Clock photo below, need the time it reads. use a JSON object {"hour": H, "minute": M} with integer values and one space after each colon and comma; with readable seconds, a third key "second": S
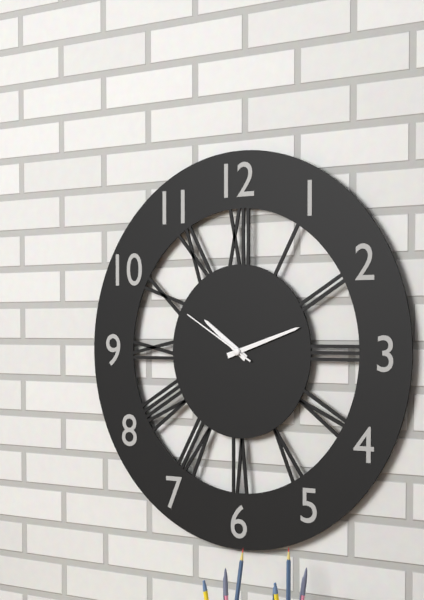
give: {"hour": 10, "minute": 12, "second": 50}
